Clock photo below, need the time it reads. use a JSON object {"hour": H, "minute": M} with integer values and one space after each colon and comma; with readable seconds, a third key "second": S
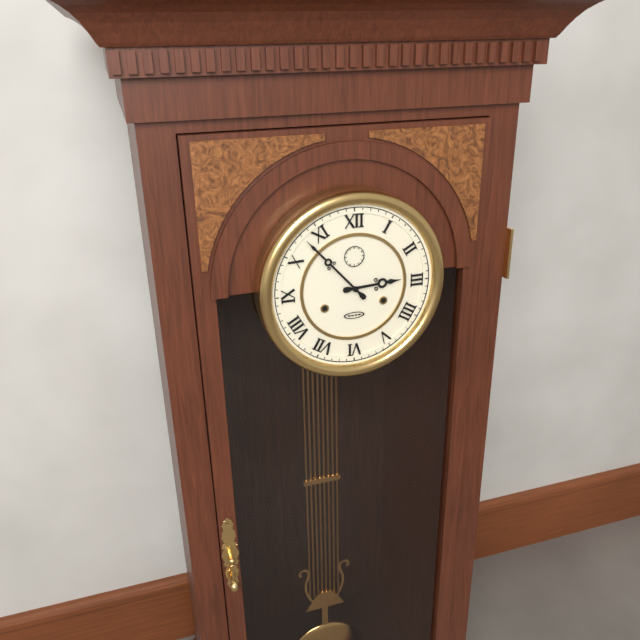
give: {"hour": 2, "minute": 53}
